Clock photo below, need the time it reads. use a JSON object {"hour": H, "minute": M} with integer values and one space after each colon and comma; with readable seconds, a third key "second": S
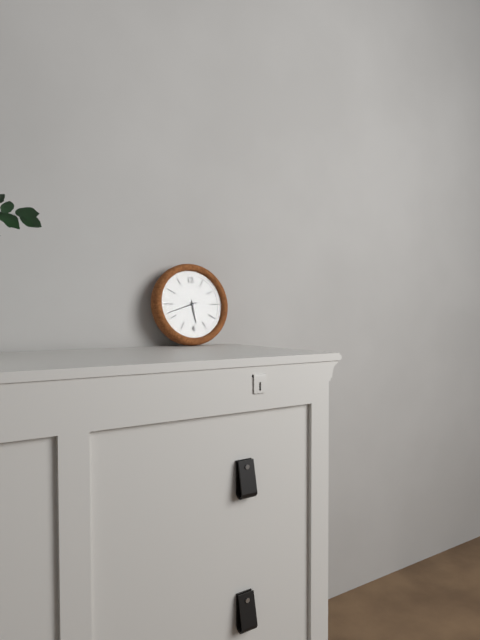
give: {"hour": 5, "minute": 42}
